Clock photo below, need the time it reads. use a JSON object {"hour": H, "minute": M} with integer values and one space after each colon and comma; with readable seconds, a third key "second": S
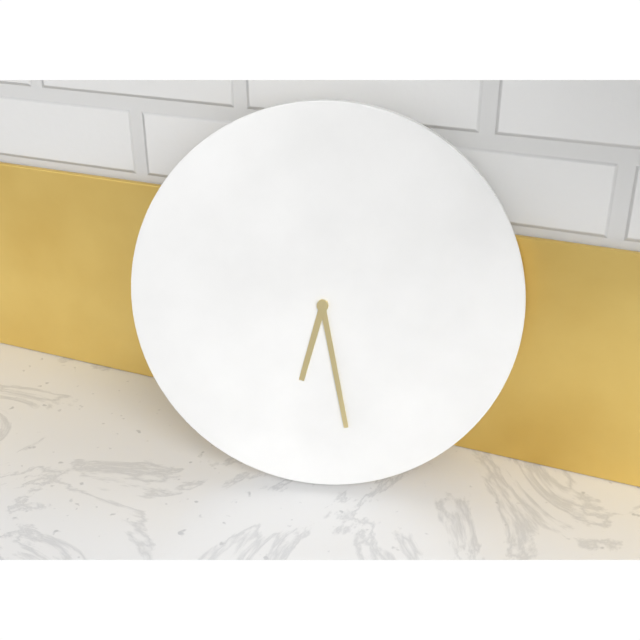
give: {"hour": 6, "minute": 28}
